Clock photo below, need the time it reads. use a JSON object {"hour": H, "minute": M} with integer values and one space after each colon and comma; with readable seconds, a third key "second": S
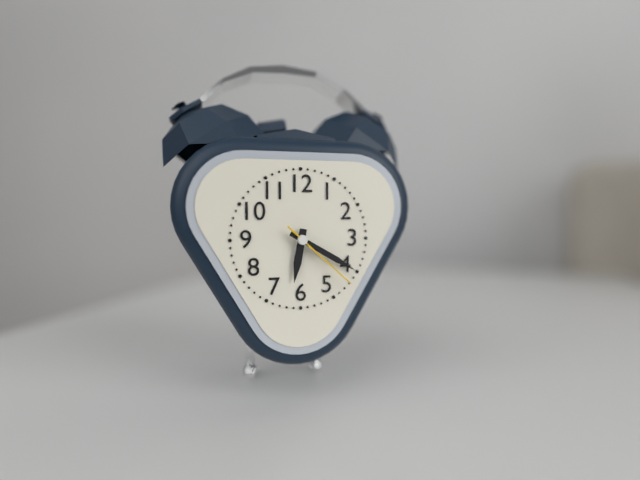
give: {"hour": 6, "minute": 20, "second": 22}
